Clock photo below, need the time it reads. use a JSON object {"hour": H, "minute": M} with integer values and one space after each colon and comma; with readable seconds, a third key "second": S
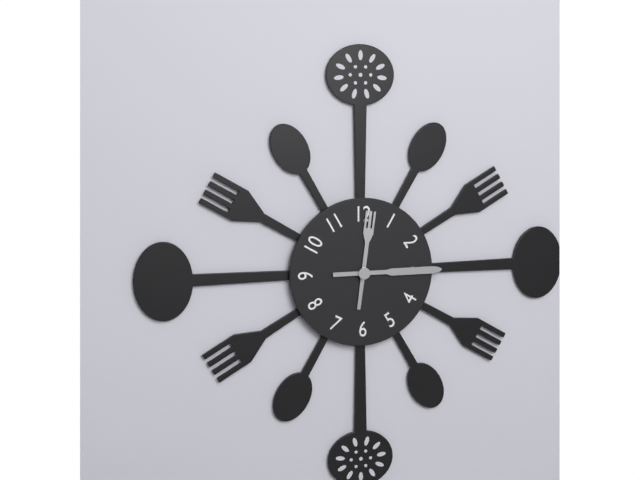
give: {"hour": 12, "minute": 15}
